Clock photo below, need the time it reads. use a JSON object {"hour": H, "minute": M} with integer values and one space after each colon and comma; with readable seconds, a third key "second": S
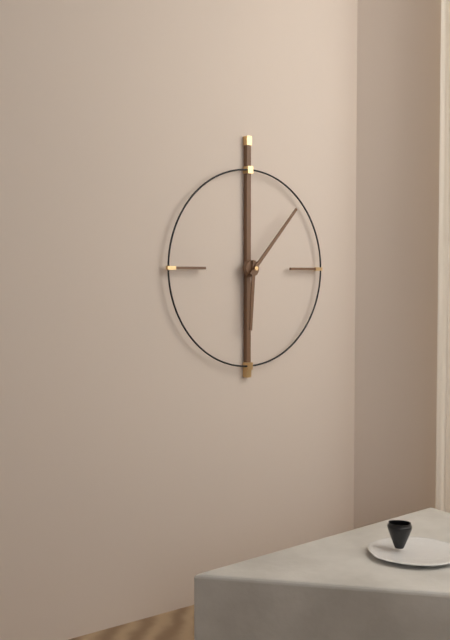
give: {"hour": 6, "minute": 7}
